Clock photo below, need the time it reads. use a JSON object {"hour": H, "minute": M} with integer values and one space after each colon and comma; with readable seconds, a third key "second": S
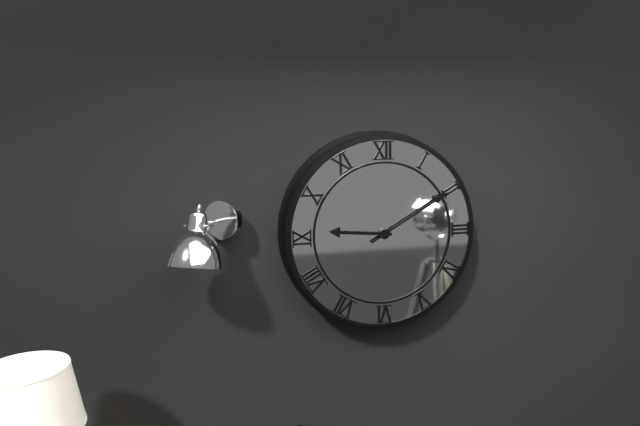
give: {"hour": 9, "minute": 10}
